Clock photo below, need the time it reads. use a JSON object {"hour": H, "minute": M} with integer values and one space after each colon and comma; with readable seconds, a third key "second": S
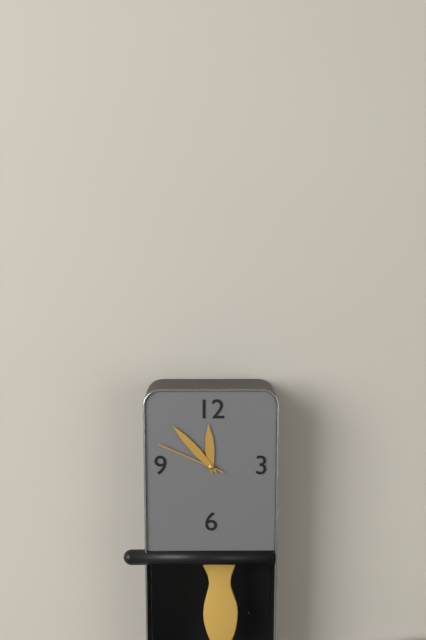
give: {"hour": 11, "minute": 53, "second": 49}
